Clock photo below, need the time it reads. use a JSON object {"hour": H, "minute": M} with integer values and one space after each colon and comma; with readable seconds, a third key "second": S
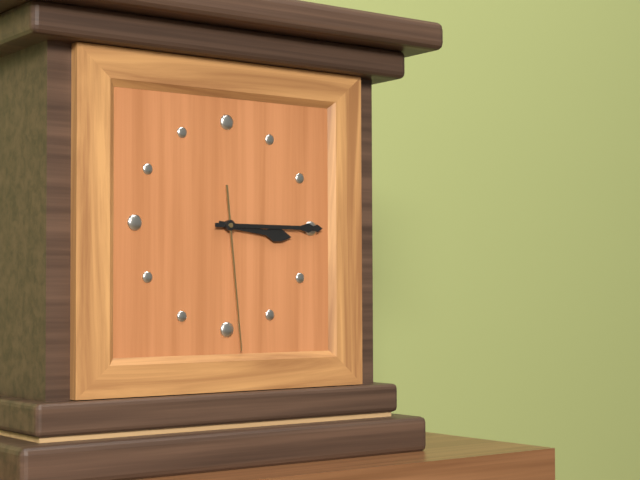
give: {"hour": 3, "minute": 15, "second": 29}
